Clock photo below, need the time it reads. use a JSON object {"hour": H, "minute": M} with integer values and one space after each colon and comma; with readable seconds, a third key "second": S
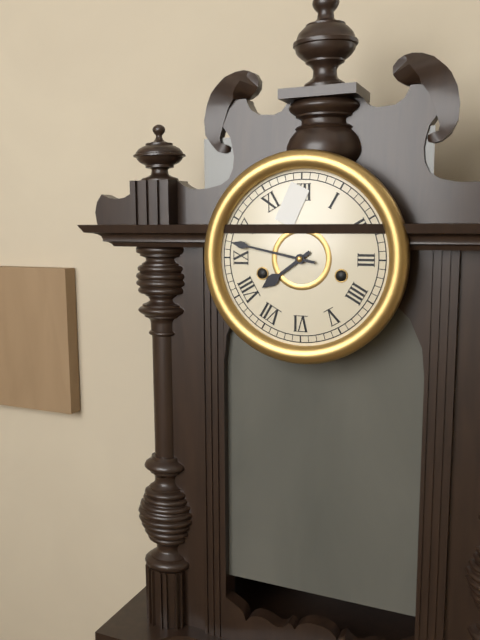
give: {"hour": 7, "minute": 47}
